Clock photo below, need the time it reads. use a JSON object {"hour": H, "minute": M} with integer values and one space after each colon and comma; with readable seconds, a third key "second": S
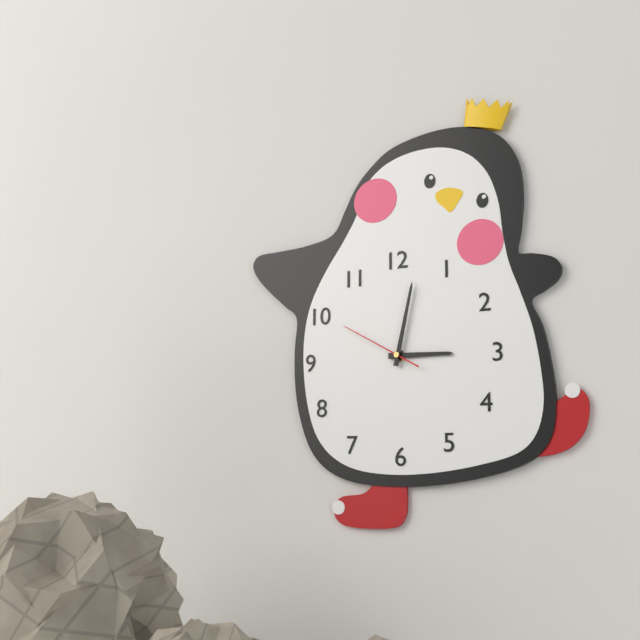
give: {"hour": 3, "minute": 2, "second": 50}
